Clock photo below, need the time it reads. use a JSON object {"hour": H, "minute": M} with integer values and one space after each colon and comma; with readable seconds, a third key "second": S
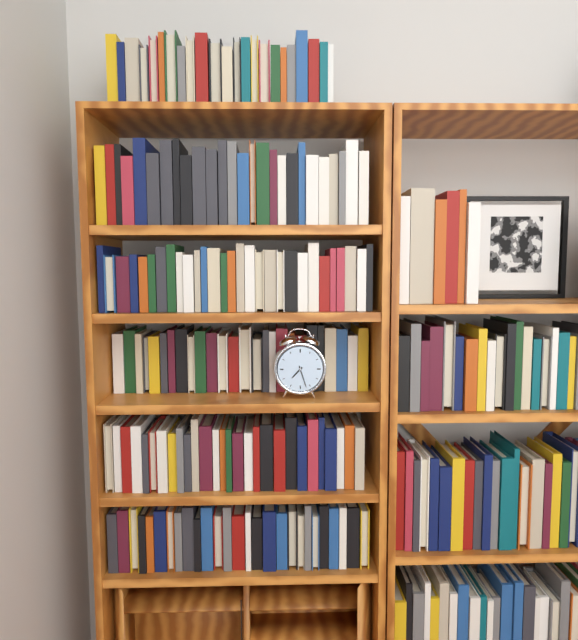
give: {"hour": 7, "minute": 27}
